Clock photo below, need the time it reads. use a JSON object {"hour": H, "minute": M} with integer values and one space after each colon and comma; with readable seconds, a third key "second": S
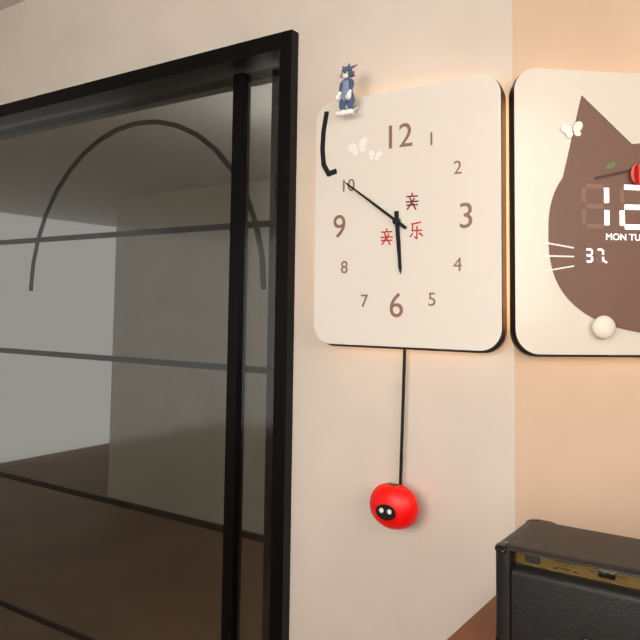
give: {"hour": 5, "minute": 51}
